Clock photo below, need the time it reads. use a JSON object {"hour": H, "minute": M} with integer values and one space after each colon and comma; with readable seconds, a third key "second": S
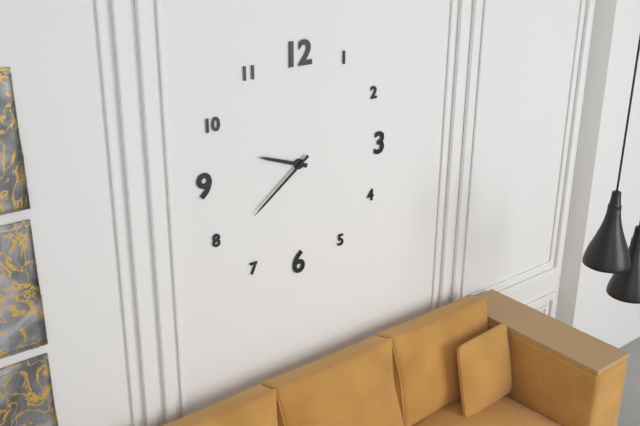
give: {"hour": 9, "minute": 39}
